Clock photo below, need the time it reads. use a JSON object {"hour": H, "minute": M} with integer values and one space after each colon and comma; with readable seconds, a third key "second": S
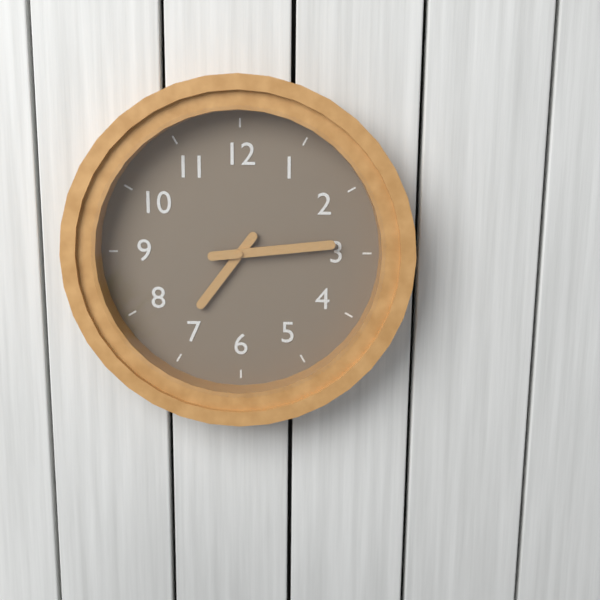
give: {"hour": 7, "minute": 14}
